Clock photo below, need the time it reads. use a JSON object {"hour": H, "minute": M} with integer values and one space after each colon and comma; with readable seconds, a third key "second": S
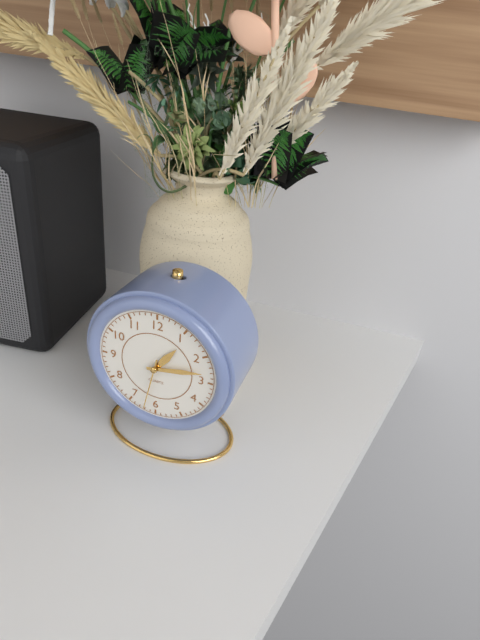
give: {"hour": 1, "minute": 13}
